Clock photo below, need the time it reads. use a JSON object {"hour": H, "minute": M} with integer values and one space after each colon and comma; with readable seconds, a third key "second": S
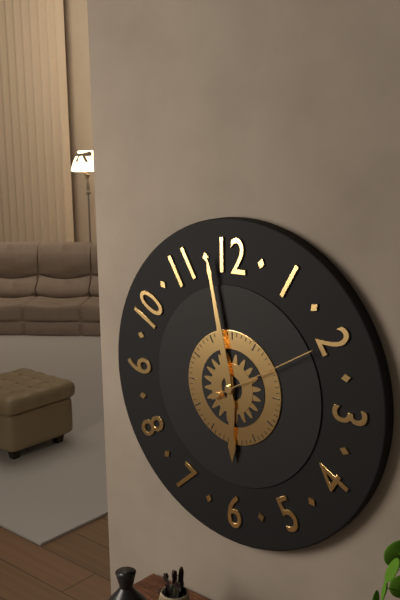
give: {"hour": 5, "minute": 58, "second": 10}
